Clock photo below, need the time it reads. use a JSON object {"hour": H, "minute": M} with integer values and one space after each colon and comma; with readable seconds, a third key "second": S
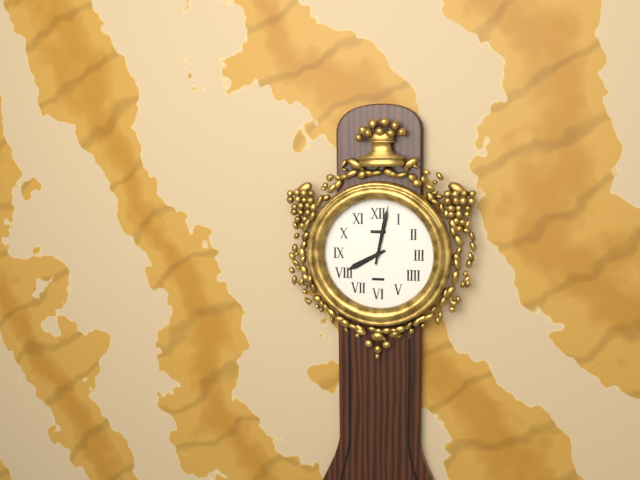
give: {"hour": 8, "minute": 2}
